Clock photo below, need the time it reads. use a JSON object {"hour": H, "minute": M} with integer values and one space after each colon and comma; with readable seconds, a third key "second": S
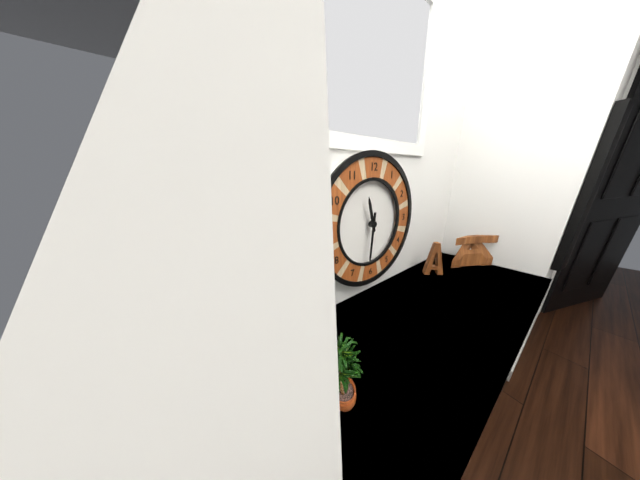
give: {"hour": 11, "minute": 31}
